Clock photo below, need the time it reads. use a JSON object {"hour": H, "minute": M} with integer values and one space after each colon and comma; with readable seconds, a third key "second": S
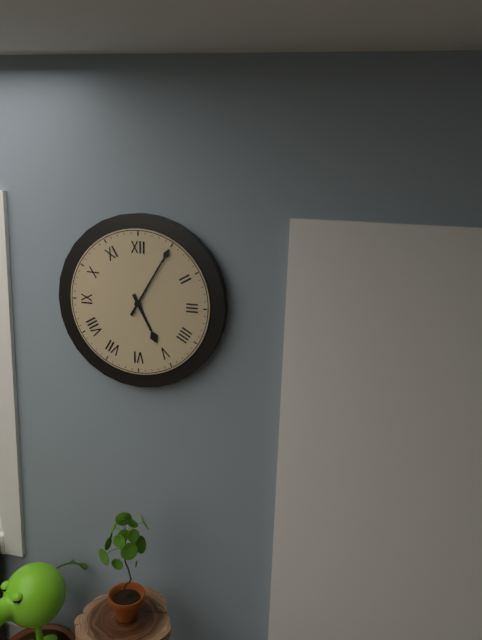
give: {"hour": 5, "minute": 5}
